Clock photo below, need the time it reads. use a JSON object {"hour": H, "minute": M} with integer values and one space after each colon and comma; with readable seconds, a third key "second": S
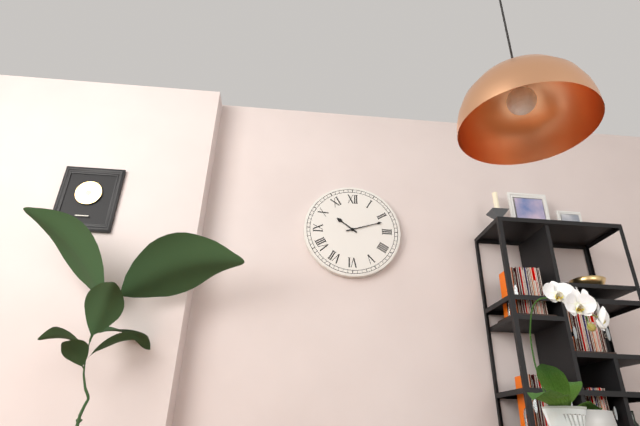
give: {"hour": 10, "minute": 12}
